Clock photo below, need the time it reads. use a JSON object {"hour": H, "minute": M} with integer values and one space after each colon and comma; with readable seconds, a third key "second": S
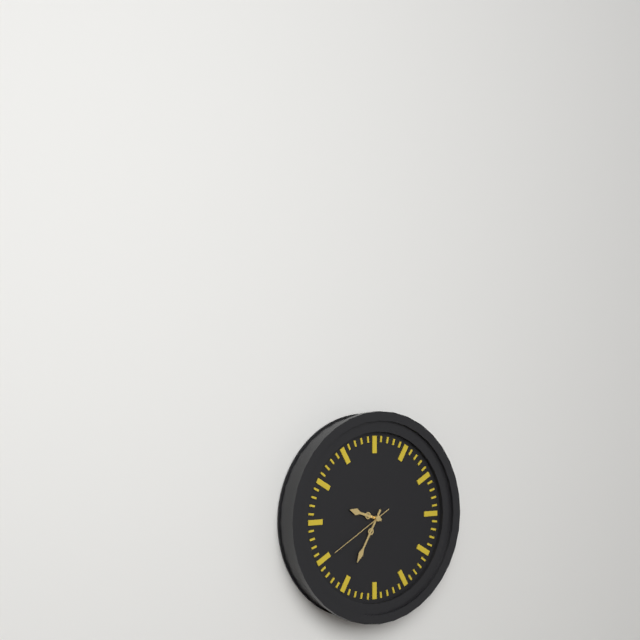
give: {"hour": 9, "minute": 35, "second": 40}
